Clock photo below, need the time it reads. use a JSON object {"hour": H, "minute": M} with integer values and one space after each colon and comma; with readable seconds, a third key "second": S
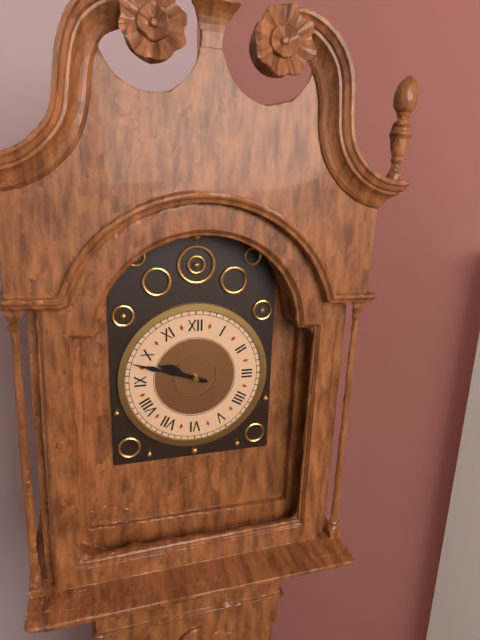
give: {"hour": 9, "minute": 48}
